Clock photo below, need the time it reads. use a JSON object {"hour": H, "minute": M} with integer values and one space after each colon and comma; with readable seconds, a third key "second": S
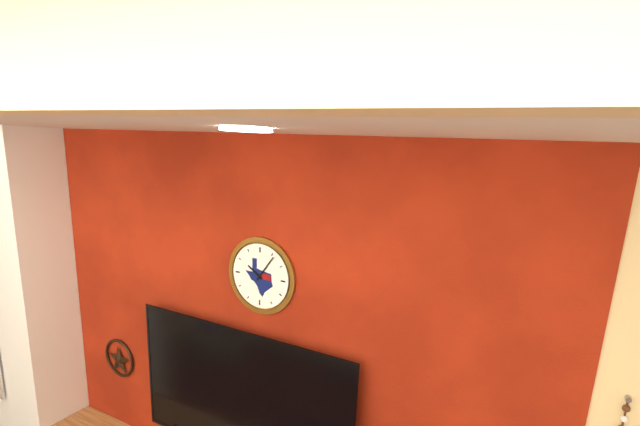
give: {"hour": 10, "minute": 6}
